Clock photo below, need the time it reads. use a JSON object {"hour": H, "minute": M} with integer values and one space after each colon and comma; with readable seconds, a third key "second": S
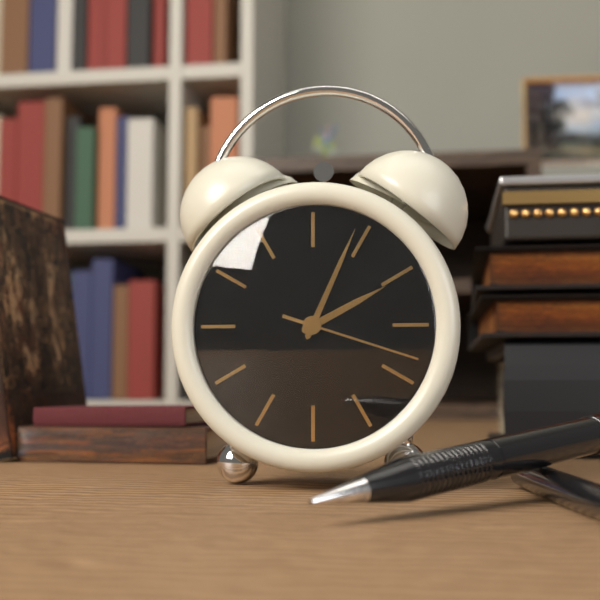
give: {"hour": 2, "minute": 4, "second": 18}
